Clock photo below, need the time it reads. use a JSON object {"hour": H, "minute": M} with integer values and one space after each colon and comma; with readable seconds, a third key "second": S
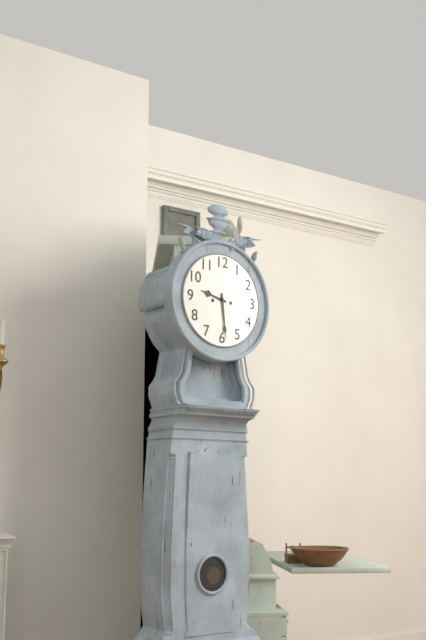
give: {"hour": 9, "minute": 29}
